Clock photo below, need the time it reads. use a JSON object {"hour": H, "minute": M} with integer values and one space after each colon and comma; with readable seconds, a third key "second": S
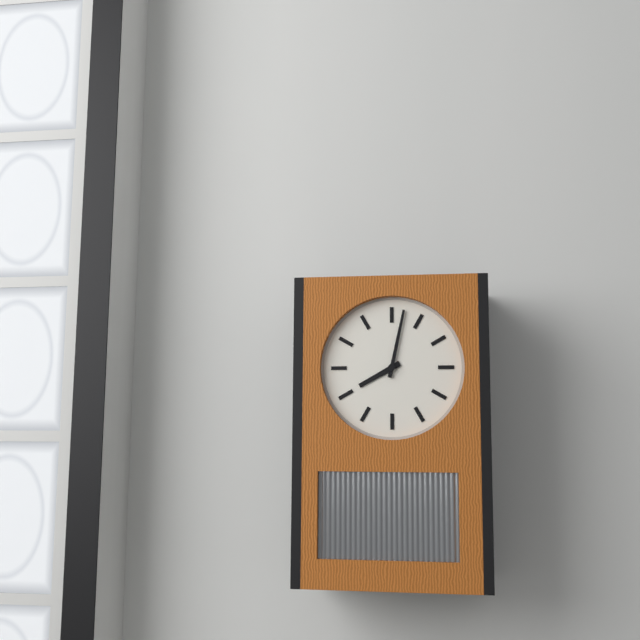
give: {"hour": 8, "minute": 2}
